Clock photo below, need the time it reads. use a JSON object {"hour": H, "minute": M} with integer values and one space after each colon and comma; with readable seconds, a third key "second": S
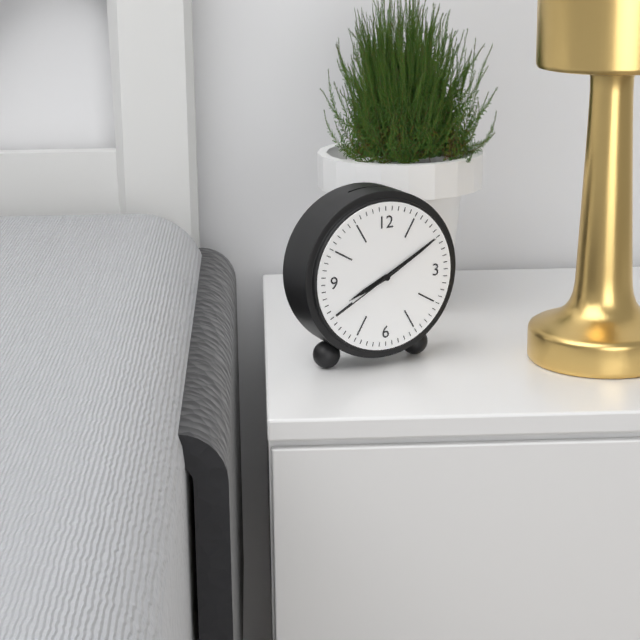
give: {"hour": 8, "minute": 10, "second": 40}
